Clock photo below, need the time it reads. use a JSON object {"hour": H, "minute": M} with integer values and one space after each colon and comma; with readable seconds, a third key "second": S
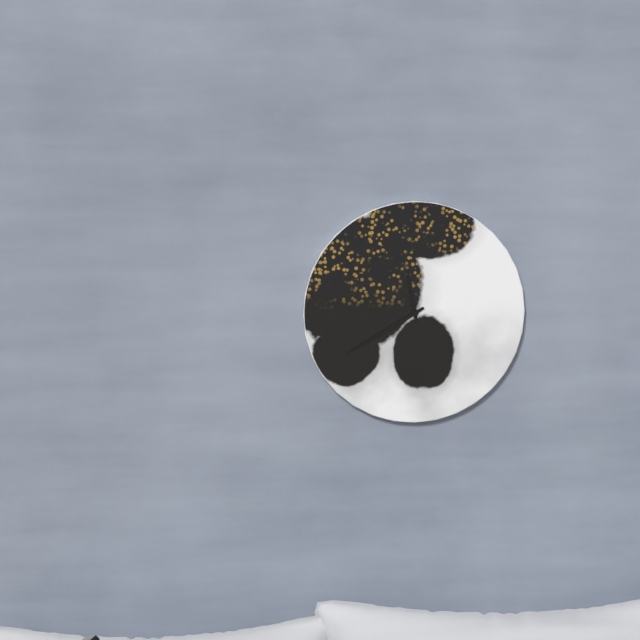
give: {"hour": 11, "minute": 40}
